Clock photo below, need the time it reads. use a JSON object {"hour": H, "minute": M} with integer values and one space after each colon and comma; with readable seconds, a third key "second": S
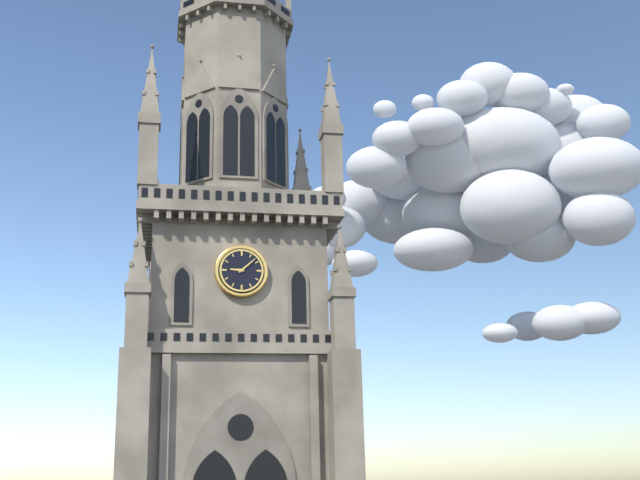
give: {"hour": 9, "minute": 8}
